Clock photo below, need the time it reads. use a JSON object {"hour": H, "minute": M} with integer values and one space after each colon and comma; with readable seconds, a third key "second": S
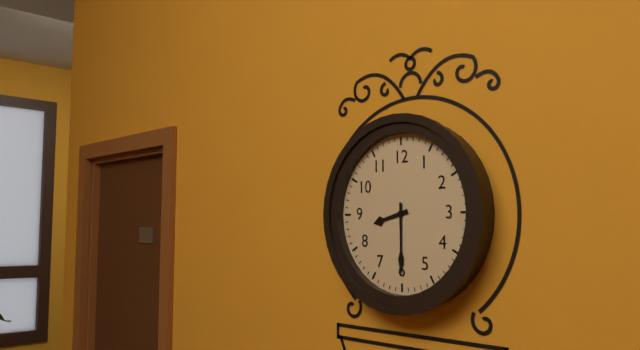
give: {"hour": 8, "minute": 30}
